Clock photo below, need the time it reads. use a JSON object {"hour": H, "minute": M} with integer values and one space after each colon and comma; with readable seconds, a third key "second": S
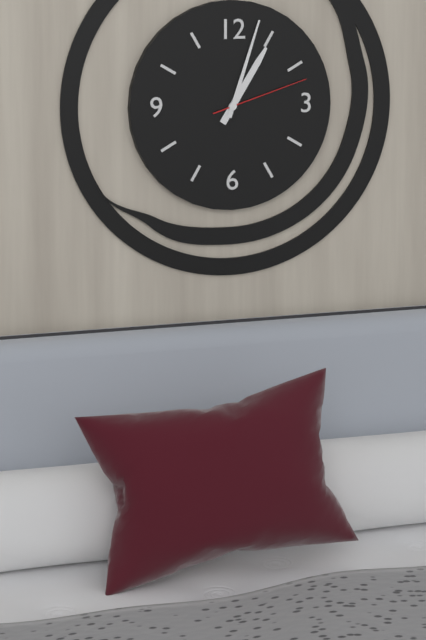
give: {"hour": 1, "minute": 3, "second": 12}
